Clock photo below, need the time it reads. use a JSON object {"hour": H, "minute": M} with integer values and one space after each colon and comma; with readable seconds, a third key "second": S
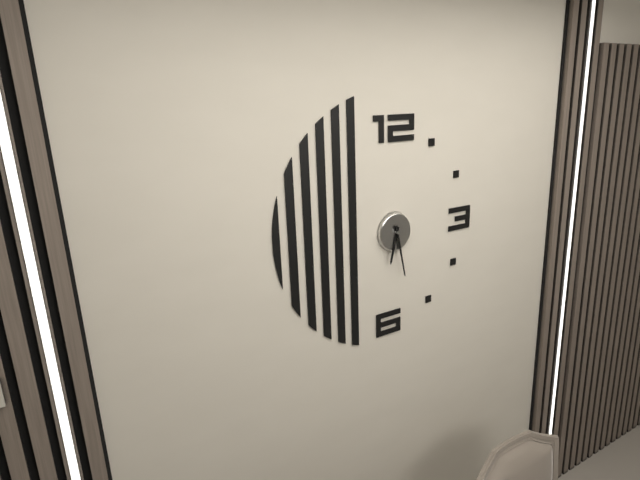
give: {"hour": 6, "minute": 28}
